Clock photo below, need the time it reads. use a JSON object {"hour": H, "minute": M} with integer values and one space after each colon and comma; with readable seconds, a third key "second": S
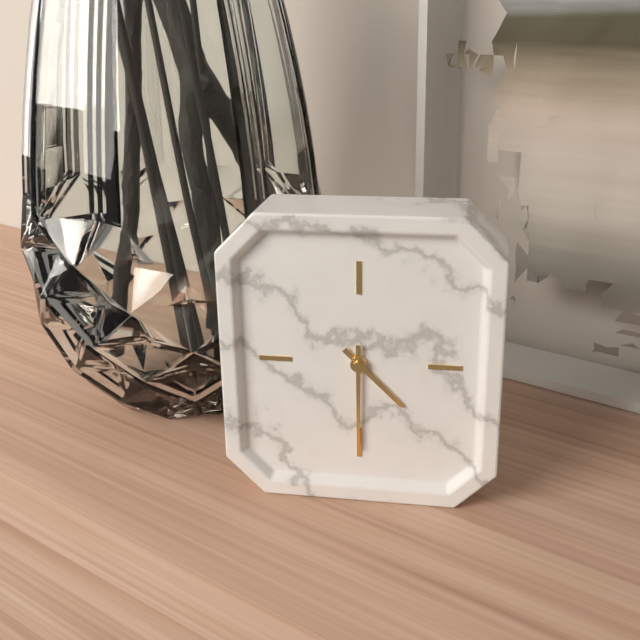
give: {"hour": 4, "minute": 30}
